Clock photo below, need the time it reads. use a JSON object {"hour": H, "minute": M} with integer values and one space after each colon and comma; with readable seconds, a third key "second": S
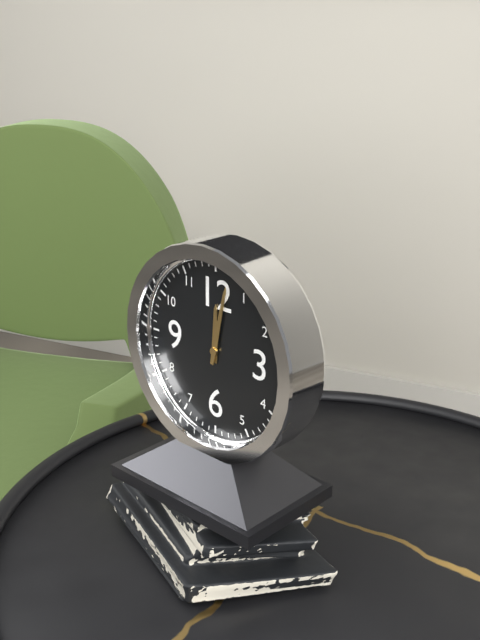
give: {"hour": 12, "minute": 2}
